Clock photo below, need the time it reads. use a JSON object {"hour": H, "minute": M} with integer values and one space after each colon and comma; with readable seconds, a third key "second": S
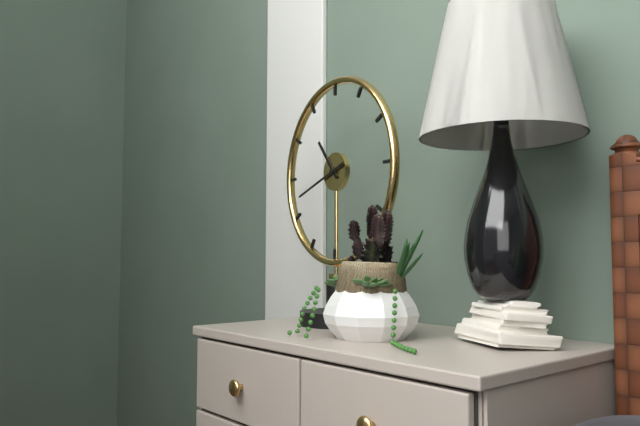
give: {"hour": 10, "minute": 42}
